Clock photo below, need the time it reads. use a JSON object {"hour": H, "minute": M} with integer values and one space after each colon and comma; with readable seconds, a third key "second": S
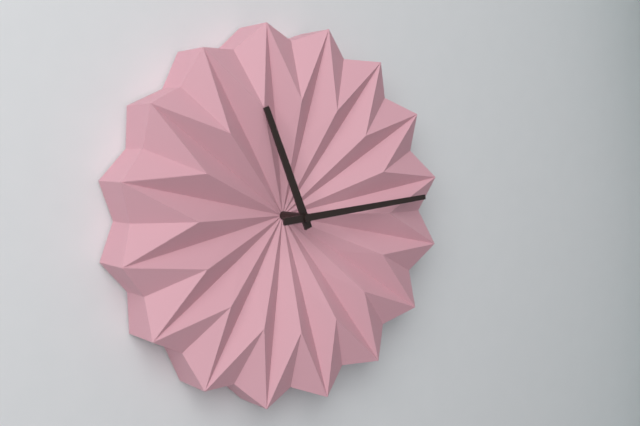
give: {"hour": 11, "minute": 14}
